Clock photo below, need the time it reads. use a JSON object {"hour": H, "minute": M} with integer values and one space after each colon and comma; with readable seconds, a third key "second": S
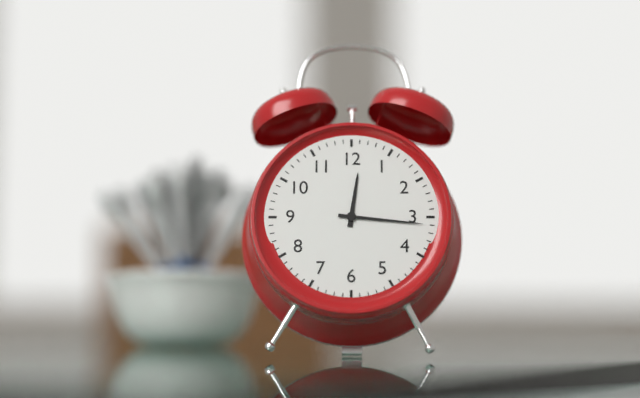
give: {"hour": 12, "minute": 16}
